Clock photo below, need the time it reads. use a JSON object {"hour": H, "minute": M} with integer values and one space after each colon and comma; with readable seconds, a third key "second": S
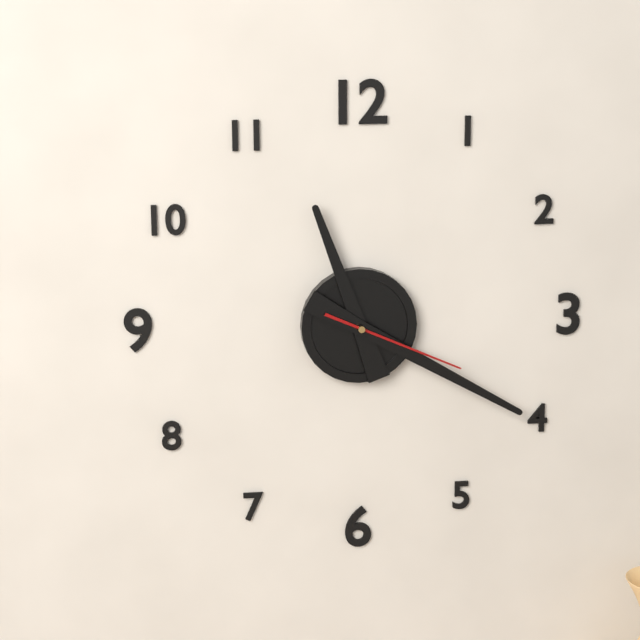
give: {"hour": 11, "minute": 20, "second": 19}
